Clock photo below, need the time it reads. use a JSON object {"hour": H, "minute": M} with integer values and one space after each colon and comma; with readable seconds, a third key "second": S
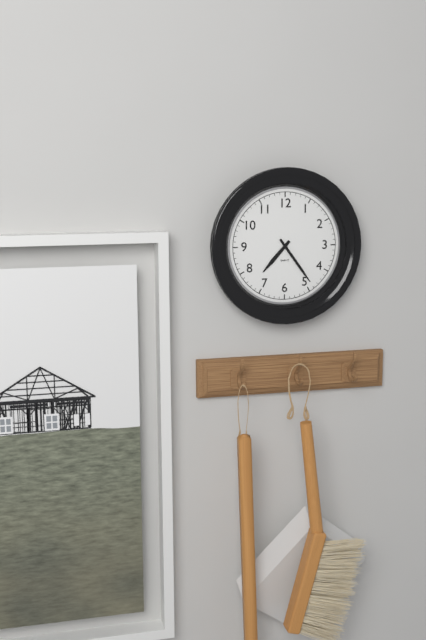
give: {"hour": 7, "minute": 24}
